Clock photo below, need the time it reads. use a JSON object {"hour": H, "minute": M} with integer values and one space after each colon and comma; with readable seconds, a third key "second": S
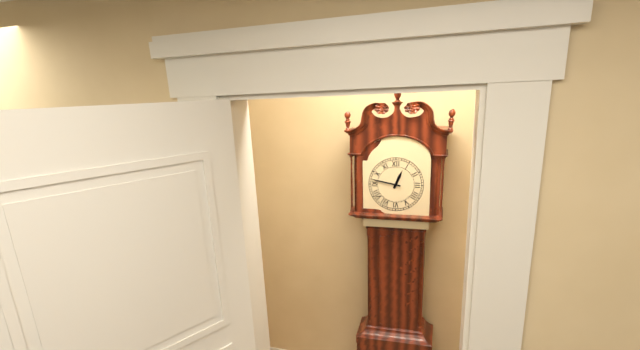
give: {"hour": 12, "minute": 47}
